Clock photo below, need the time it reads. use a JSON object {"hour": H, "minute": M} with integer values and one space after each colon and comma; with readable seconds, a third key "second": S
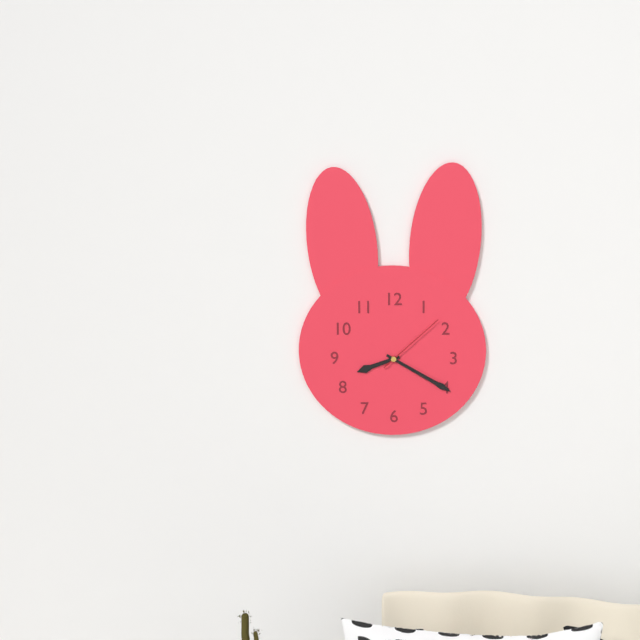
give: {"hour": 8, "minute": 20, "second": 8}
